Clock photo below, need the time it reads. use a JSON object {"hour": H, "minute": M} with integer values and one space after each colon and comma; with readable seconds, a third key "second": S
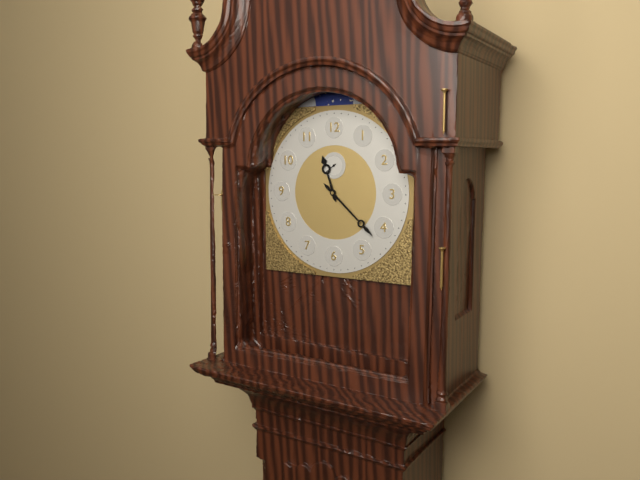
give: {"hour": 11, "minute": 22}
